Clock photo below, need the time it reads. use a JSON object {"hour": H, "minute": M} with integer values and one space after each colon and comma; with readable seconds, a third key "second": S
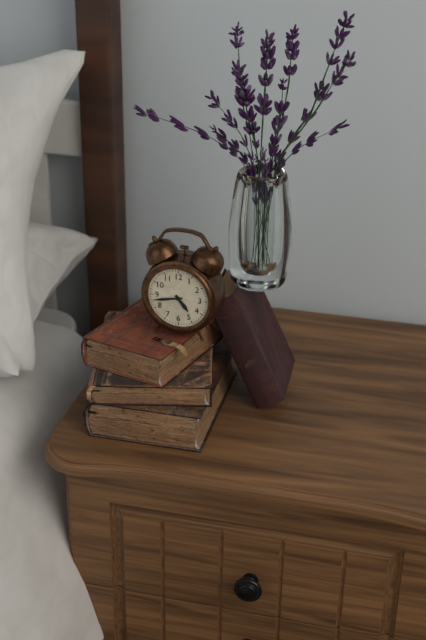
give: {"hour": 4, "minute": 43}
